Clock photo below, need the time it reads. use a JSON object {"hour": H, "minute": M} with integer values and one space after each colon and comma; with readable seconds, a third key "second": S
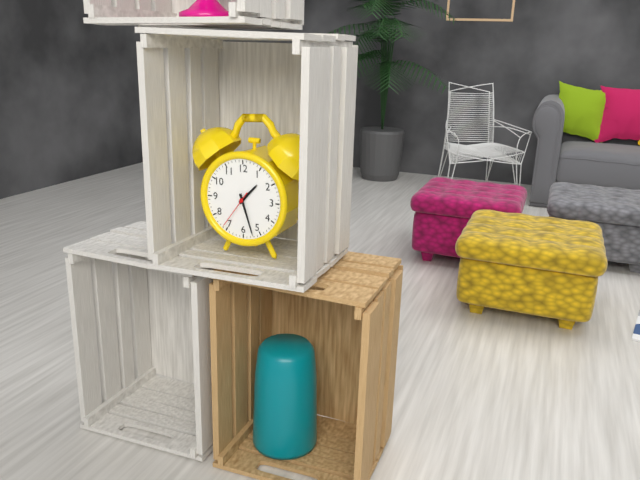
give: {"hour": 1, "minute": 27}
